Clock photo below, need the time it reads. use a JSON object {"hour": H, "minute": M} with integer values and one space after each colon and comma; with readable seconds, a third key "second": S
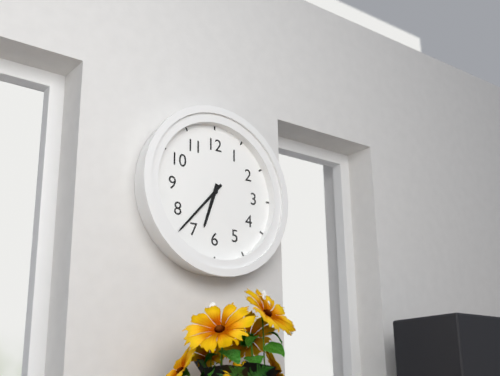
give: {"hour": 6, "minute": 37}
